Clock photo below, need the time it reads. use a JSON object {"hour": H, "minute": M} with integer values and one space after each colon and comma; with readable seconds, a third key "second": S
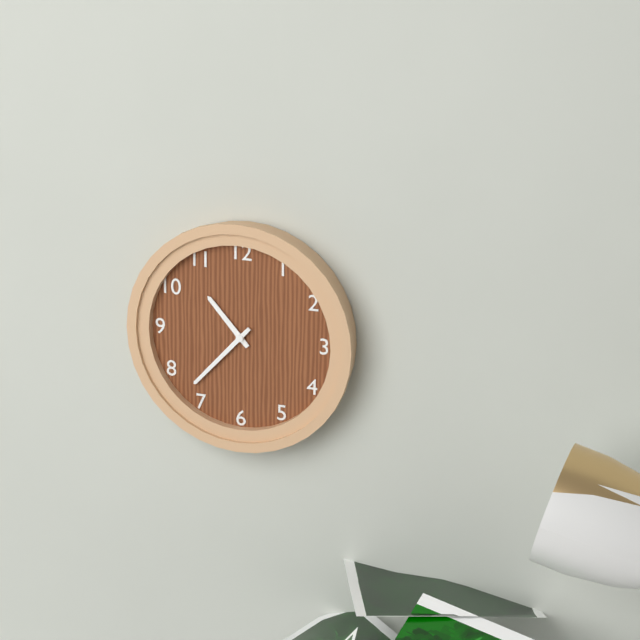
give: {"hour": 10, "minute": 37}
